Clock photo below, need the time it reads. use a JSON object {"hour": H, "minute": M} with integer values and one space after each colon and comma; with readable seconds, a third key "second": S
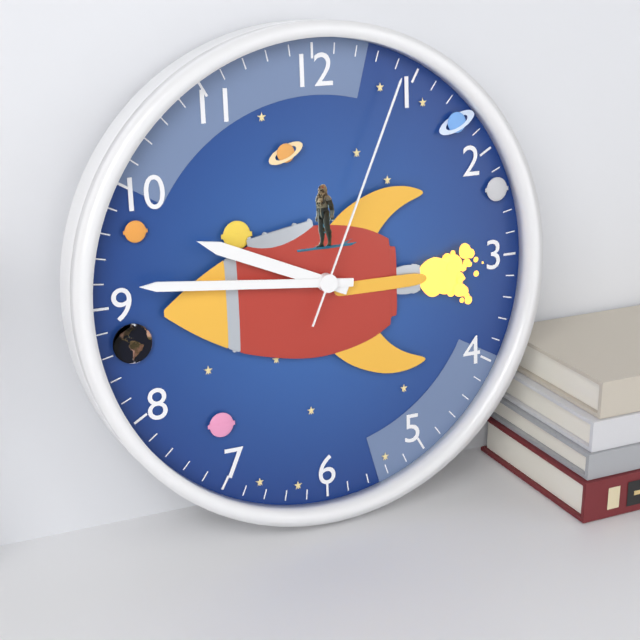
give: {"hour": 9, "minute": 46, "second": 4}
